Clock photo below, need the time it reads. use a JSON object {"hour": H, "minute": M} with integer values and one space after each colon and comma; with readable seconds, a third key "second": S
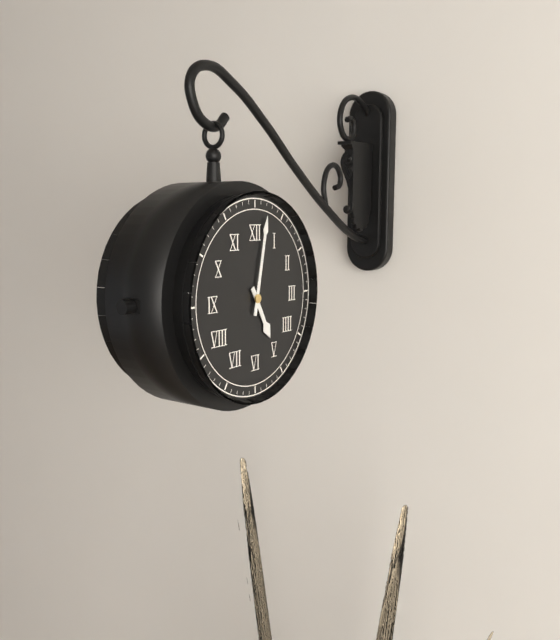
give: {"hour": 5, "minute": 2}
